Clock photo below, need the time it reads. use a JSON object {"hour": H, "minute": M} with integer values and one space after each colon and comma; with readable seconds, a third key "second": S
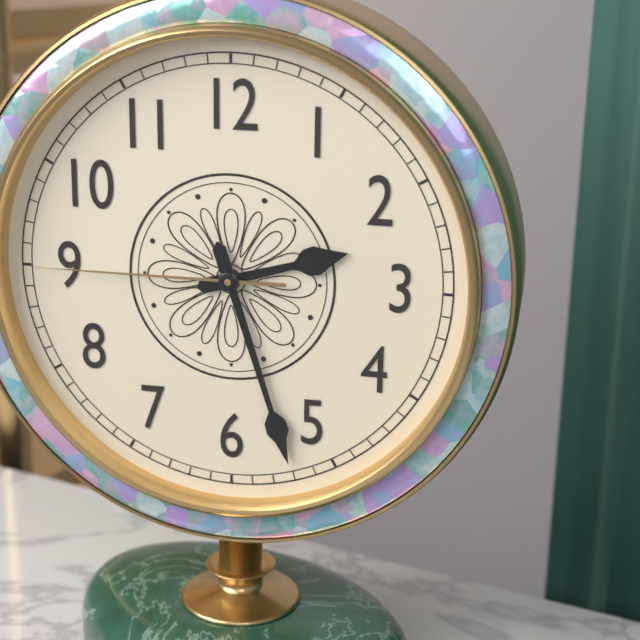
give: {"hour": 2, "minute": 27, "second": 45}
